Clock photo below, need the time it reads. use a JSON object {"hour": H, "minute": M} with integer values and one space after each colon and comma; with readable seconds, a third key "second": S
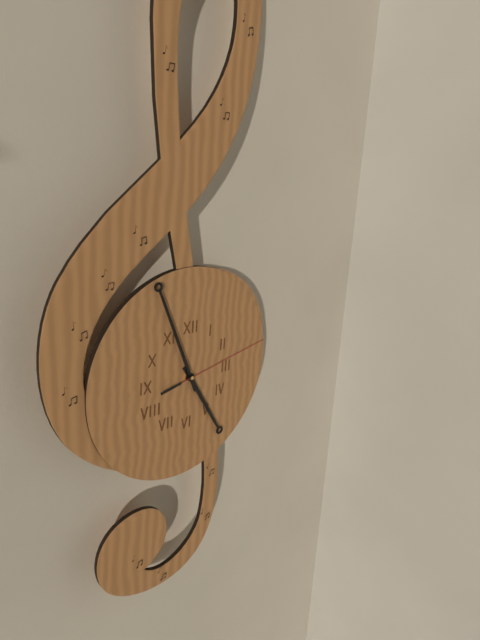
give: {"hour": 4, "minute": 56, "second": 13}
